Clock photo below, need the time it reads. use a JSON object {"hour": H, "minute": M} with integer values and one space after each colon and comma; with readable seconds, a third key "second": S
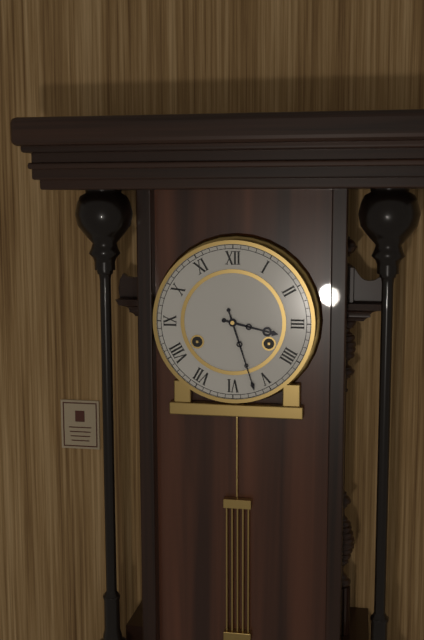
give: {"hour": 3, "minute": 27}
